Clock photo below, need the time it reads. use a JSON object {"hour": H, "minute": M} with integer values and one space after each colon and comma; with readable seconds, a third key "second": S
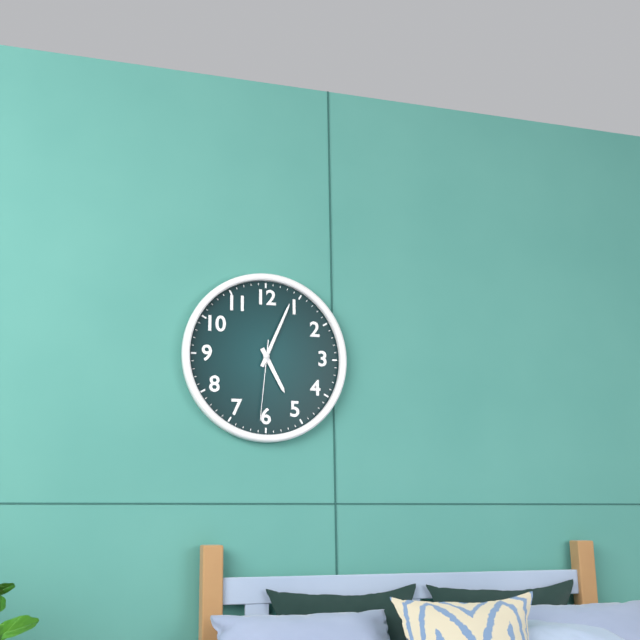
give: {"hour": 5, "minute": 4, "second": 31}
